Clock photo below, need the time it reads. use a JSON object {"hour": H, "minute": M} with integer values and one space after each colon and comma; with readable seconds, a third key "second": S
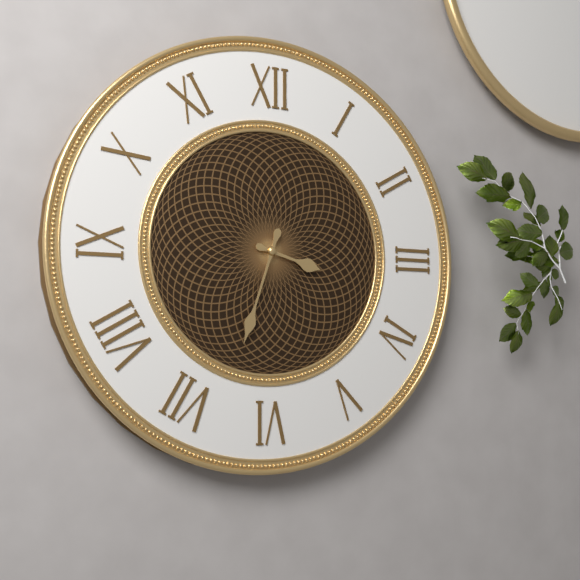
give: {"hour": 3, "minute": 33}
